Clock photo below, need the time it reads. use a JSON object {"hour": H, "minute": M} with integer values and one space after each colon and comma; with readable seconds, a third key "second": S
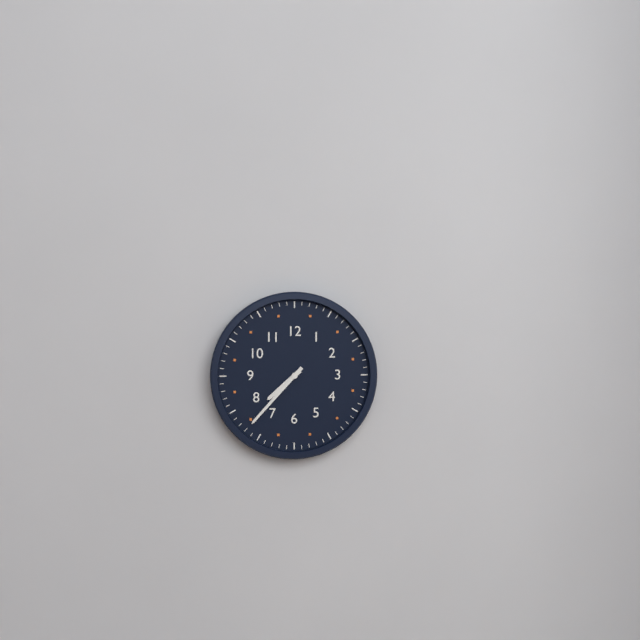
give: {"hour": 7, "minute": 37}
